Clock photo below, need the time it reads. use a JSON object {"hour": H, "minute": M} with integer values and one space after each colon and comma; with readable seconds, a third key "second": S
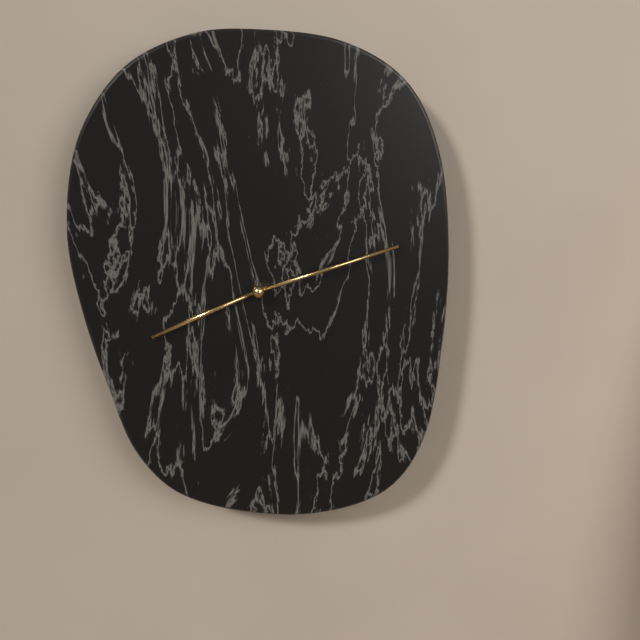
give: {"hour": 8, "minute": 12}
